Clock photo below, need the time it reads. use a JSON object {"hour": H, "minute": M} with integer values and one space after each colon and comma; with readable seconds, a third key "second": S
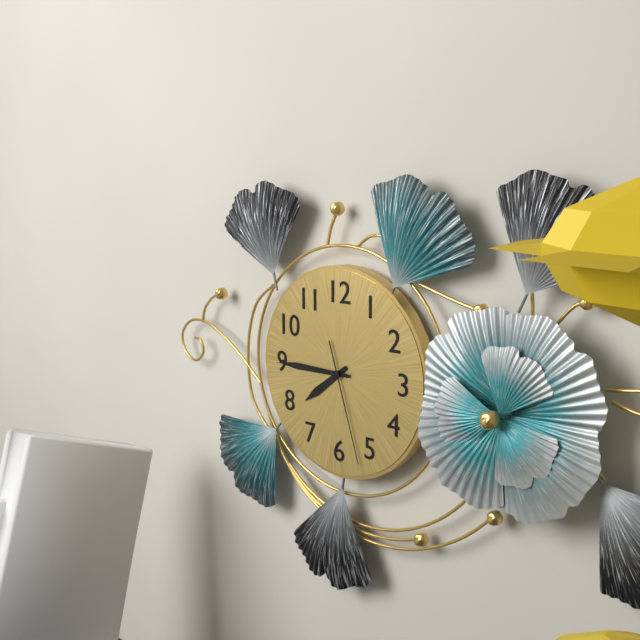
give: {"hour": 7, "minute": 45, "second": 27}
